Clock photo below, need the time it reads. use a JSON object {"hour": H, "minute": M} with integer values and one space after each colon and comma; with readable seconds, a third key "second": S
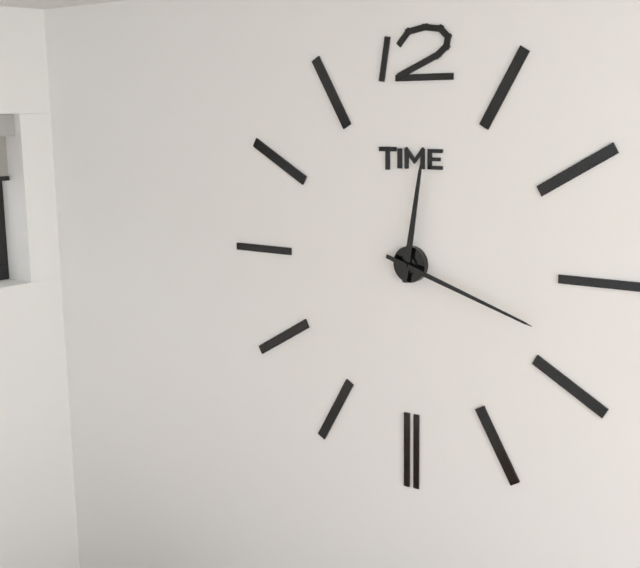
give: {"hour": 12, "minute": 18}
